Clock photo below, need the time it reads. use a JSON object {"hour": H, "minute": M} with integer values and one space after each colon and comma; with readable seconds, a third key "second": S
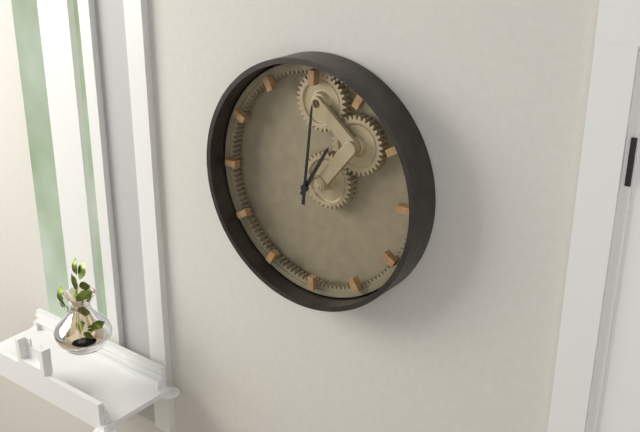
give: {"hour": 1, "minute": 1}
